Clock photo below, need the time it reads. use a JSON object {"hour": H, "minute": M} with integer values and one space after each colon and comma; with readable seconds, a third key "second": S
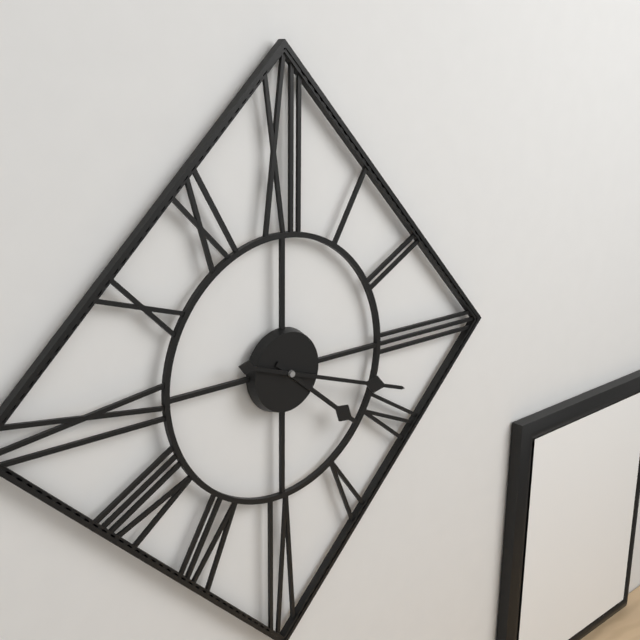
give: {"hour": 4, "minute": 18}
